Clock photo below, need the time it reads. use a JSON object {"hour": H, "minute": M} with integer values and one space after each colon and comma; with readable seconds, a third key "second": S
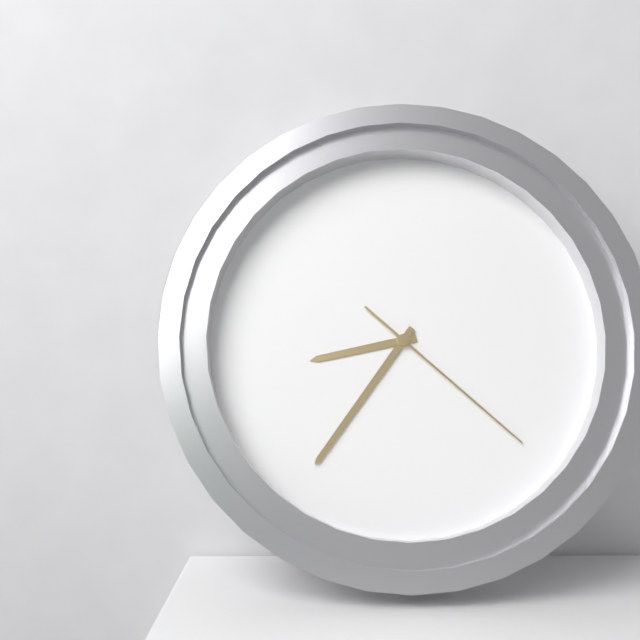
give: {"hour": 8, "minute": 36, "second": 22}
